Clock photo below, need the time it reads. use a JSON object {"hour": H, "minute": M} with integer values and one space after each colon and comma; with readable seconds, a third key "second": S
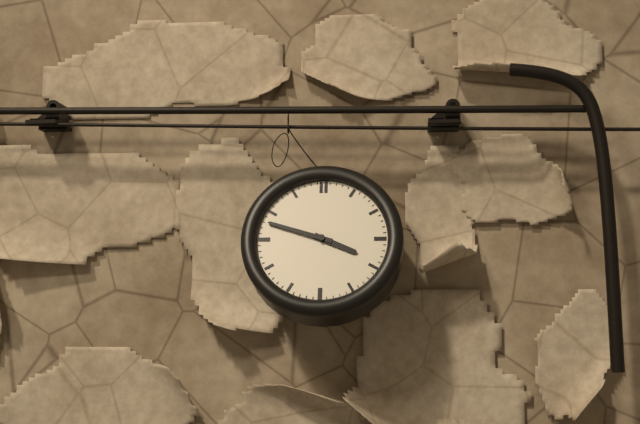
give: {"hour": 3, "minute": 48}
